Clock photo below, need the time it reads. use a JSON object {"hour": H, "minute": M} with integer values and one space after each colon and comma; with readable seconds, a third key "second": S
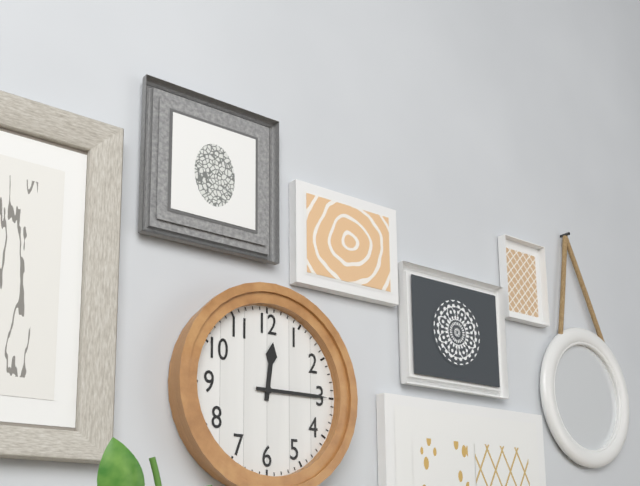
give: {"hour": 12, "minute": 15}
